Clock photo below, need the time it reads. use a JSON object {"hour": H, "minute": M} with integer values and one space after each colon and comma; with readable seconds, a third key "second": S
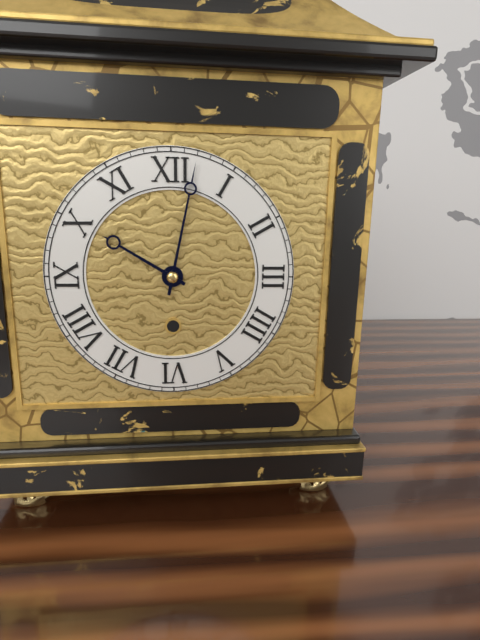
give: {"hour": 10, "minute": 2}
